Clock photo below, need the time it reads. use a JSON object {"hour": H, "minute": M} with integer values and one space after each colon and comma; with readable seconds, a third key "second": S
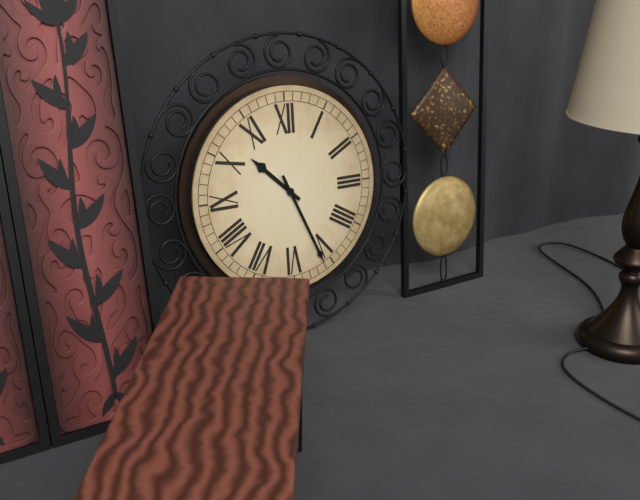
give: {"hour": 10, "minute": 26}
